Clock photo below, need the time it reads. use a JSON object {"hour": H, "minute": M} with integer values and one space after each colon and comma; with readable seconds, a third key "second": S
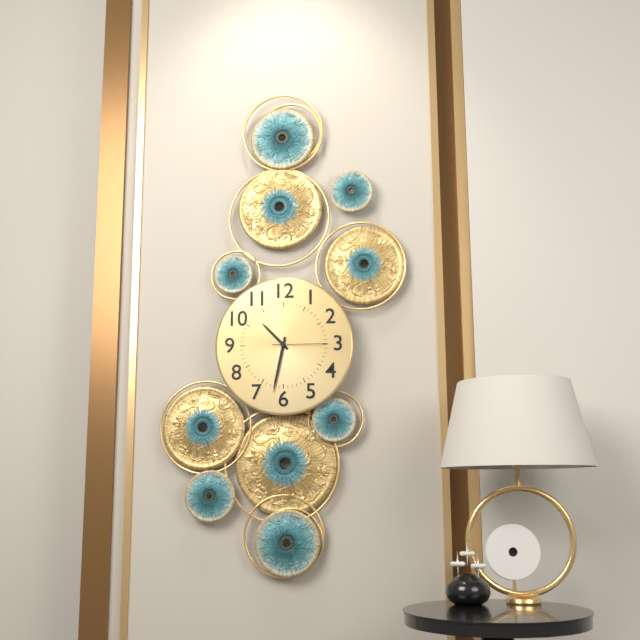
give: {"hour": 10, "minute": 32, "second": 15}
